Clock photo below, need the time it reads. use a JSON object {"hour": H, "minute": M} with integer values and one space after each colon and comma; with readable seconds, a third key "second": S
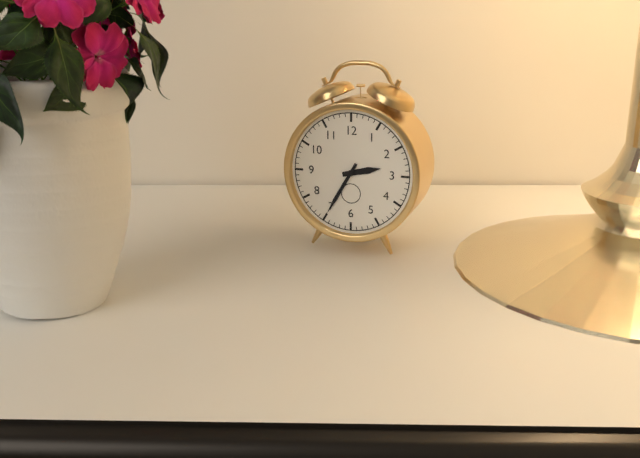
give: {"hour": 2, "minute": 35}
